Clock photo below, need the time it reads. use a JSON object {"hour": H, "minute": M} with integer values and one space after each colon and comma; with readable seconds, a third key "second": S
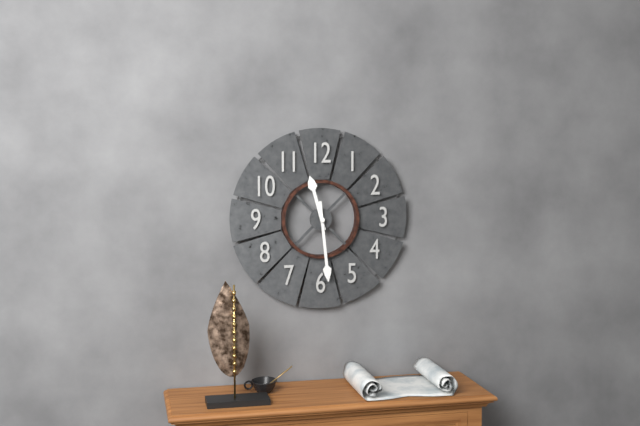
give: {"hour": 11, "minute": 29}
